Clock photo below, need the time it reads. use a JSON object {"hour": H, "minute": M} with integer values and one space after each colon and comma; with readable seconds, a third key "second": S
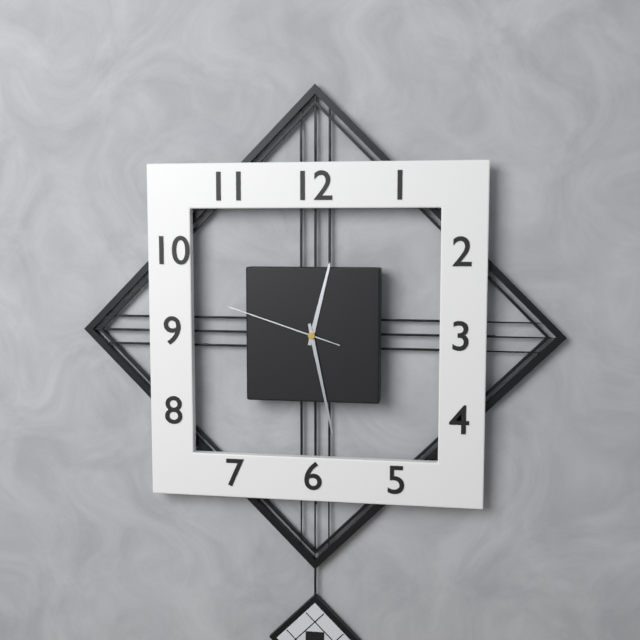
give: {"hour": 12, "minute": 28, "second": 48}
